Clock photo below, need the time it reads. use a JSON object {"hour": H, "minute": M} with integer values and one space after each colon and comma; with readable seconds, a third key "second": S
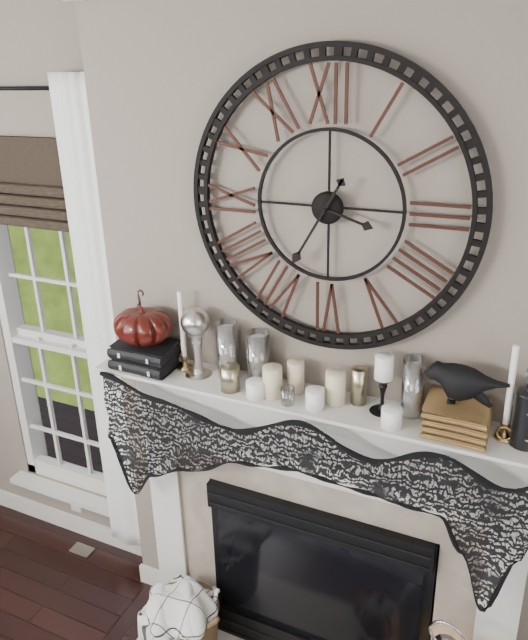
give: {"hour": 3, "minute": 35}
